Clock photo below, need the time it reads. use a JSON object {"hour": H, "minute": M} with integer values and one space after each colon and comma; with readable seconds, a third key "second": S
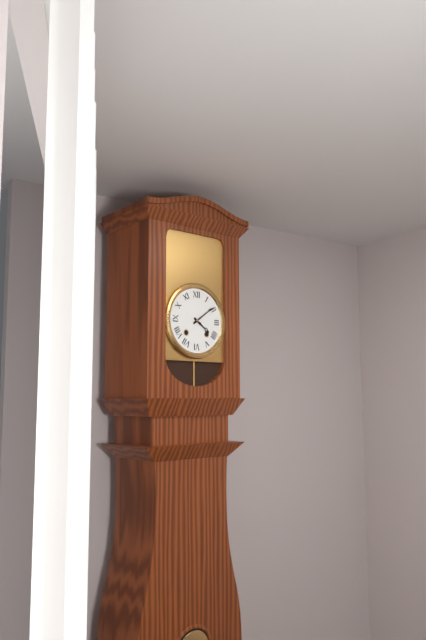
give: {"hour": 4, "minute": 9}
